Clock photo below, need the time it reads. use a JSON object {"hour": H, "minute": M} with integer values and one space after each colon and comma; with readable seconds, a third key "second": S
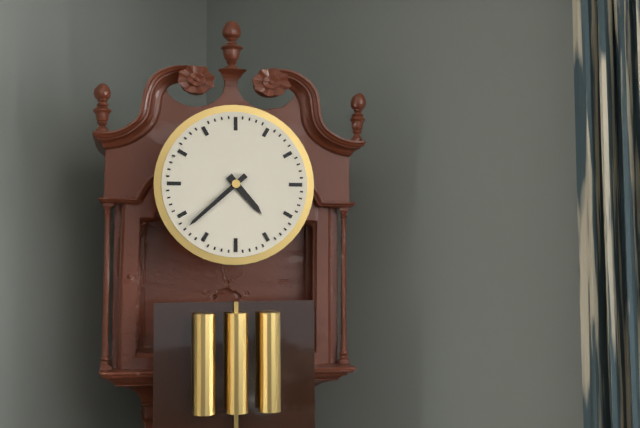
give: {"hour": 4, "minute": 38}
